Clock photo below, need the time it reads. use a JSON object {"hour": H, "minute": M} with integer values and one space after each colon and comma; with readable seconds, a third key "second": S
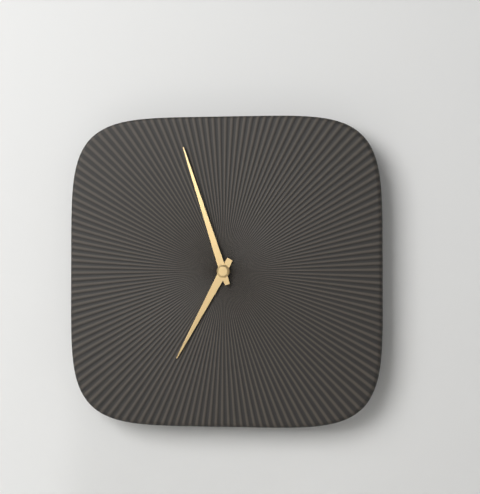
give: {"hour": 6, "minute": 57}
